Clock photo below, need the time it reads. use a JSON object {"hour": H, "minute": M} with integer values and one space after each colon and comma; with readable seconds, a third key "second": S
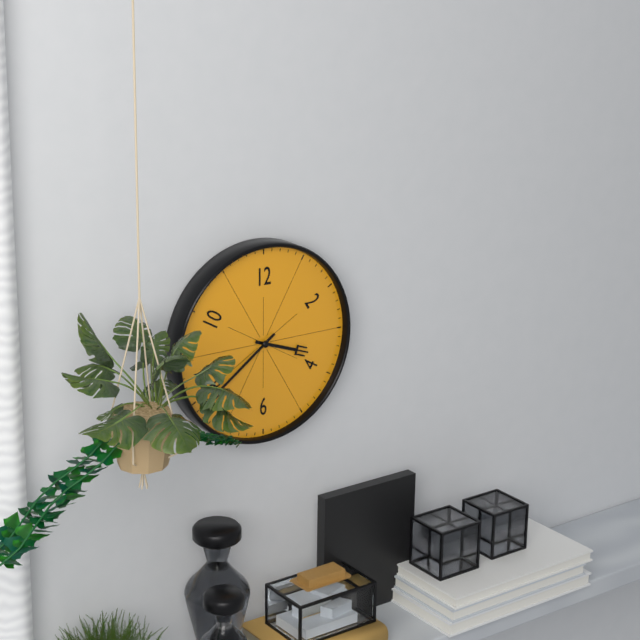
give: {"hour": 3, "minute": 39}
